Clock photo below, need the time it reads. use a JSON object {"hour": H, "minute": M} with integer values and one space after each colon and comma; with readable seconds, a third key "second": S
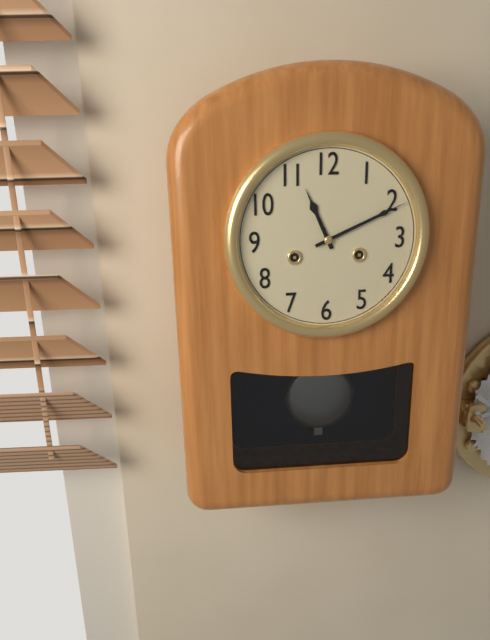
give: {"hour": 11, "minute": 11}
